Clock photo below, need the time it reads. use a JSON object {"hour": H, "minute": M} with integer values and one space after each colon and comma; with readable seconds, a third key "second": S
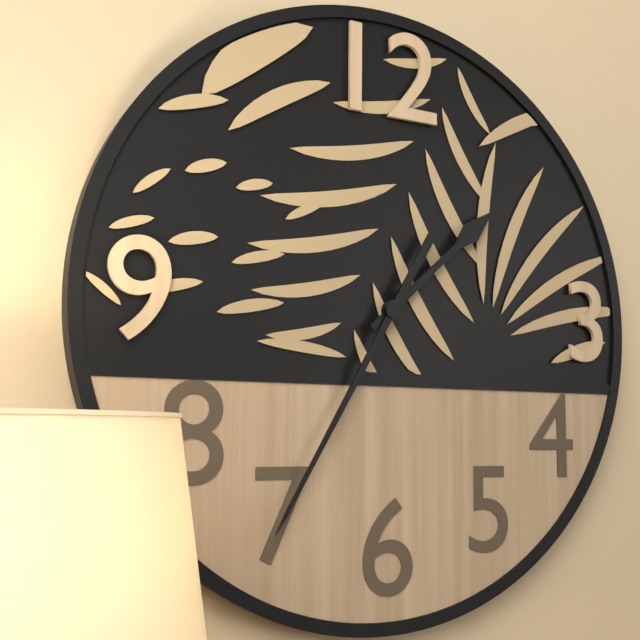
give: {"hour": 1, "minute": 35}
